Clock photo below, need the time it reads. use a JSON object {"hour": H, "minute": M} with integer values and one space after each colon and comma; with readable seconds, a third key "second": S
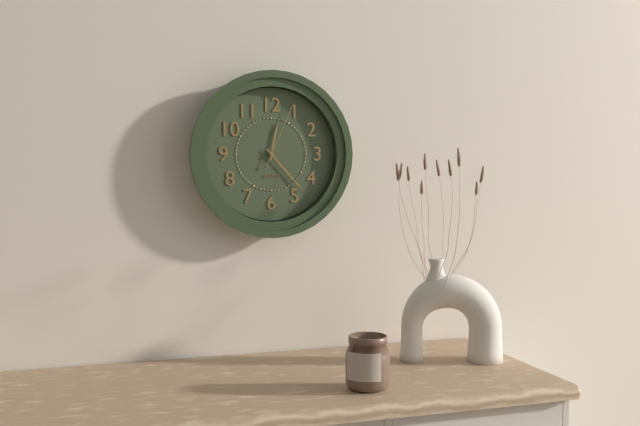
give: {"hour": 12, "minute": 23, "second": 4}
